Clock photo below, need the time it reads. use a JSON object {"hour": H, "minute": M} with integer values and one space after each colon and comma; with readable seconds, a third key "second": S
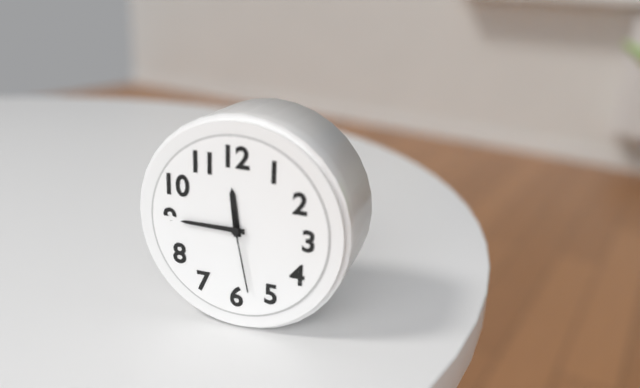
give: {"hour": 11, "minute": 45, "second": 28}
